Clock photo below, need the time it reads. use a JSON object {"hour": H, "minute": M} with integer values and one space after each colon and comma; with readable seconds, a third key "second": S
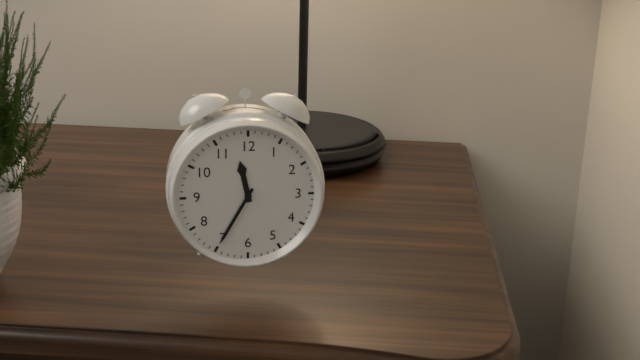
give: {"hour": 11, "minute": 35}
